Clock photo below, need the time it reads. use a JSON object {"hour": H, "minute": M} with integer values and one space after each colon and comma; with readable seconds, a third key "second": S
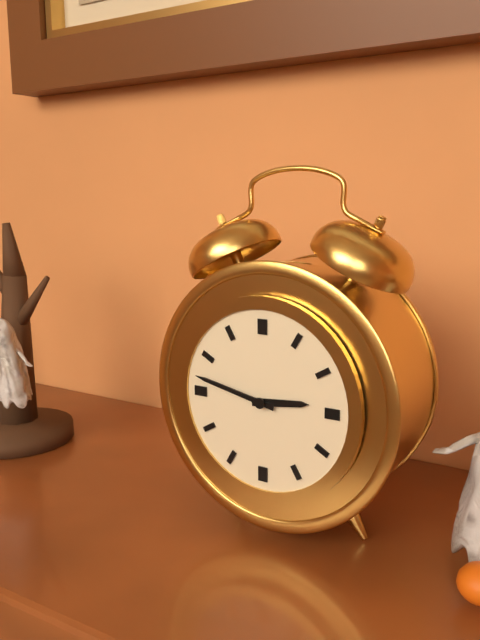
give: {"hour": 2, "minute": 47}
